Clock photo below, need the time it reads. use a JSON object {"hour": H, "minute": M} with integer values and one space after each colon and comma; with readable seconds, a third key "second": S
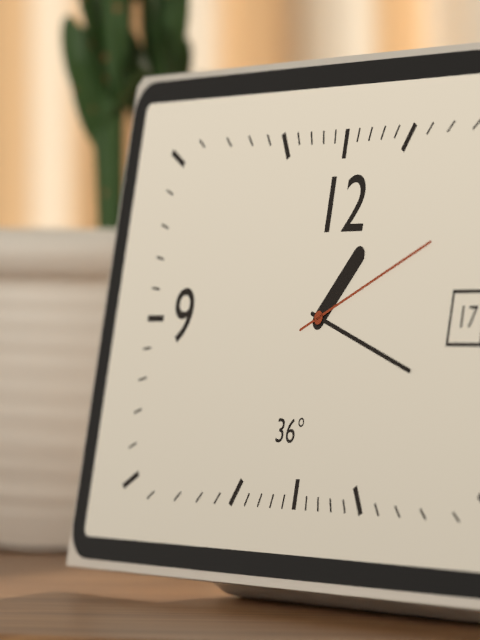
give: {"hour": 1, "minute": 18, "second": 11}
